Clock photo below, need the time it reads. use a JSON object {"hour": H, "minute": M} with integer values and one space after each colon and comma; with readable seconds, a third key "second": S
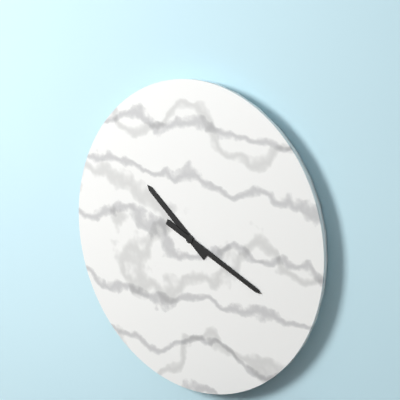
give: {"hour": 10, "minute": 19}
